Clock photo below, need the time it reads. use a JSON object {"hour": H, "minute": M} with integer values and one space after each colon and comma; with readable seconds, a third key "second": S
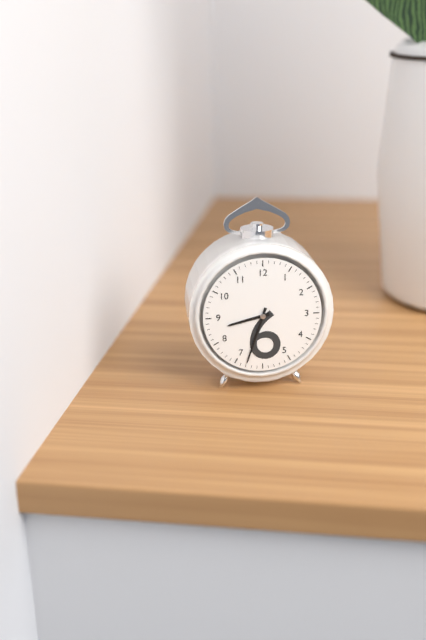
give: {"hour": 8, "minute": 33}
